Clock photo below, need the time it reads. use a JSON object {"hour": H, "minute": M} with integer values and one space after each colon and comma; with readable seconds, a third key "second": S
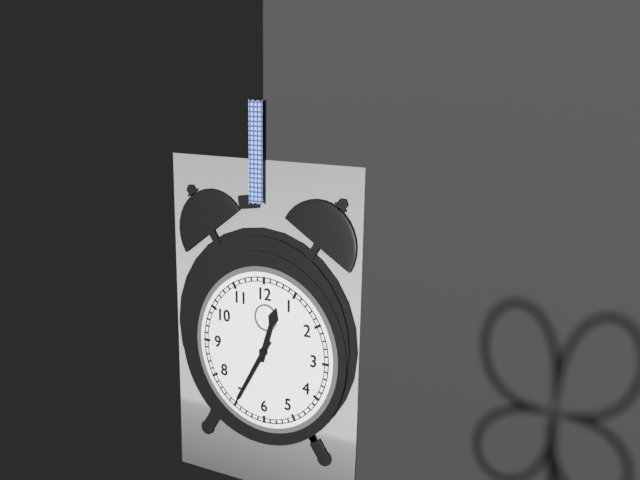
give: {"hour": 12, "minute": 35}
